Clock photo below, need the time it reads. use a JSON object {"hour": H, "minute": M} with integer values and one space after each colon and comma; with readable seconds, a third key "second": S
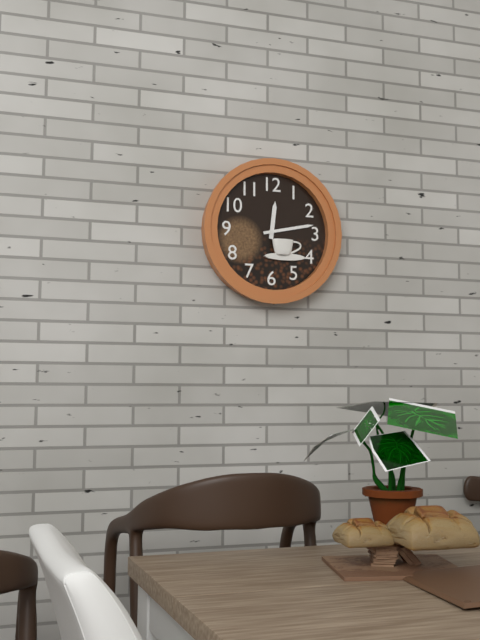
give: {"hour": 12, "minute": 13}
